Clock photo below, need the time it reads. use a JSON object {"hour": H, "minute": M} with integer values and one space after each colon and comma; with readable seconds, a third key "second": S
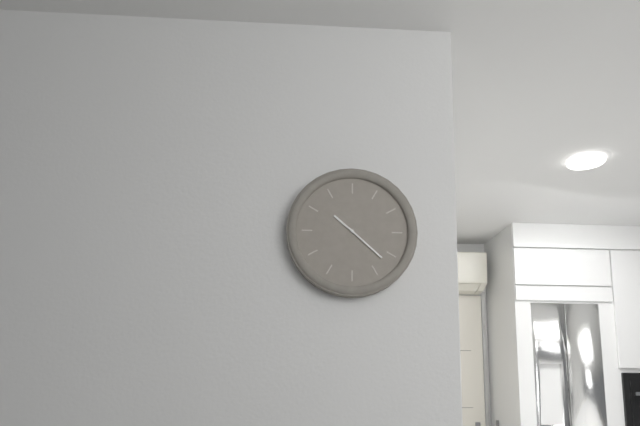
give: {"hour": 10, "minute": 22}
